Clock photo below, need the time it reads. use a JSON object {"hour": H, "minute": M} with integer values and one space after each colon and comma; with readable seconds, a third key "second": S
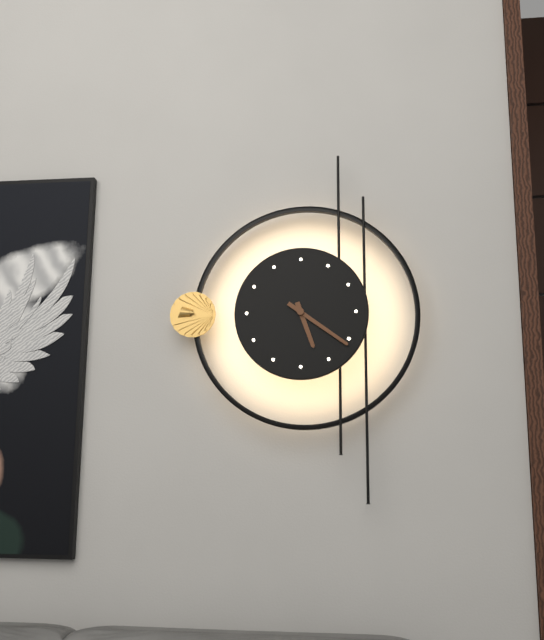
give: {"hour": 5, "minute": 21}
